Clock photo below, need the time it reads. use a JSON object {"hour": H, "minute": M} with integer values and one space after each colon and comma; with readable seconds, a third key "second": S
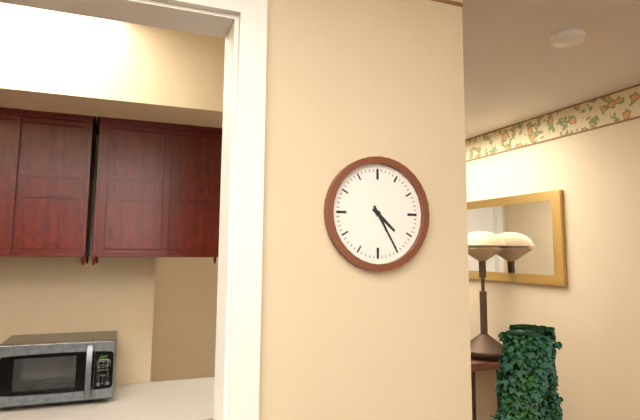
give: {"hour": 4, "minute": 25}
